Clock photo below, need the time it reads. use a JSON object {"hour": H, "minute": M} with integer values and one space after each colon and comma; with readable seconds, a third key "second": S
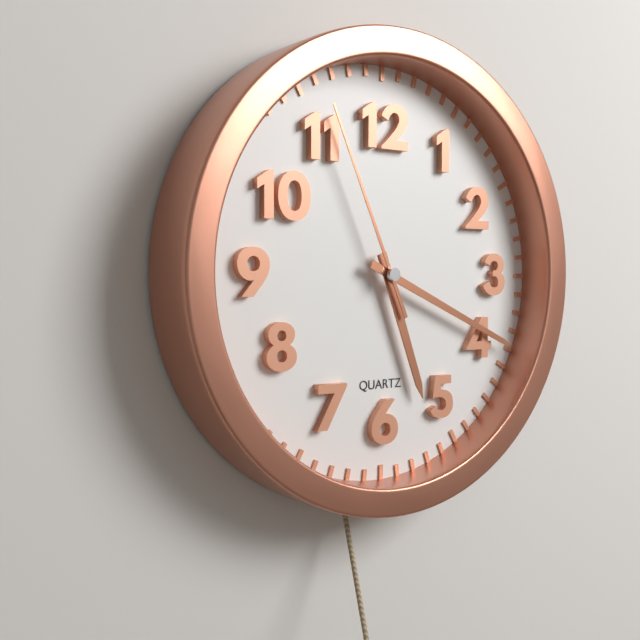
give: {"hour": 5, "minute": 19, "second": 56}
